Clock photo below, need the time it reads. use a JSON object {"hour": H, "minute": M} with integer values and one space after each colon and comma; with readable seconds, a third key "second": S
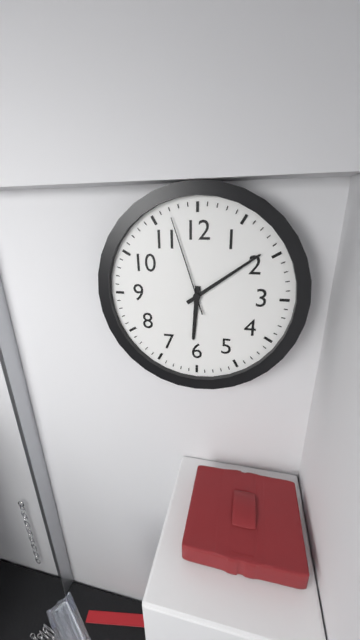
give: {"hour": 6, "minute": 9, "second": 57}
